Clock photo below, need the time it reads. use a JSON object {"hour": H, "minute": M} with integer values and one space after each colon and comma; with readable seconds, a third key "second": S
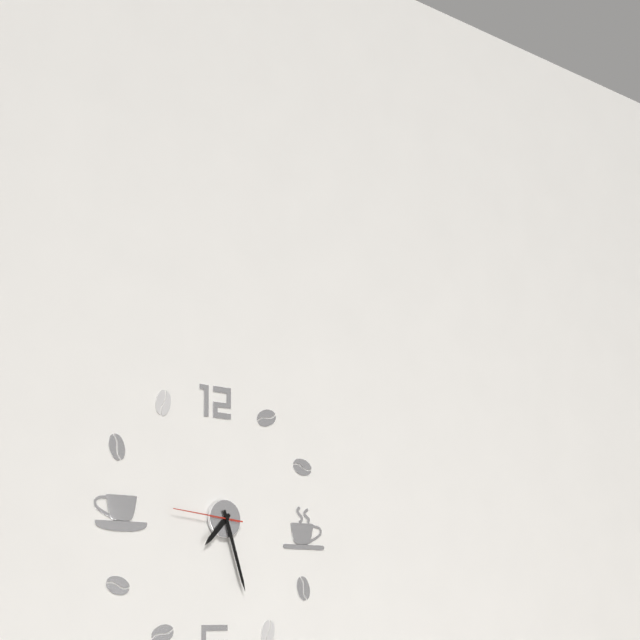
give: {"hour": 7, "minute": 27, "second": 46}
